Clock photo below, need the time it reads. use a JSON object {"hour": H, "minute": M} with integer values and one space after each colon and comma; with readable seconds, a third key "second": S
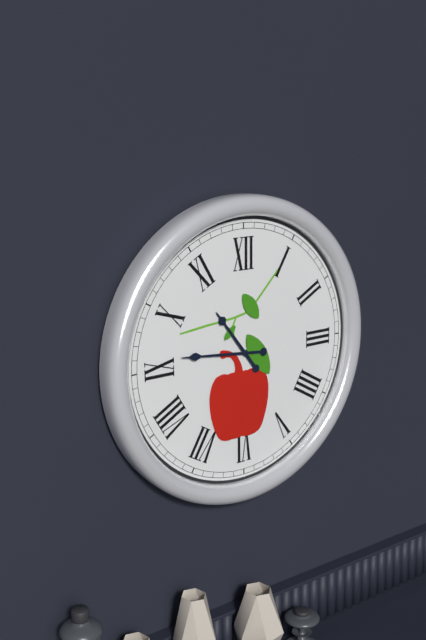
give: {"hour": 10, "minute": 46}
